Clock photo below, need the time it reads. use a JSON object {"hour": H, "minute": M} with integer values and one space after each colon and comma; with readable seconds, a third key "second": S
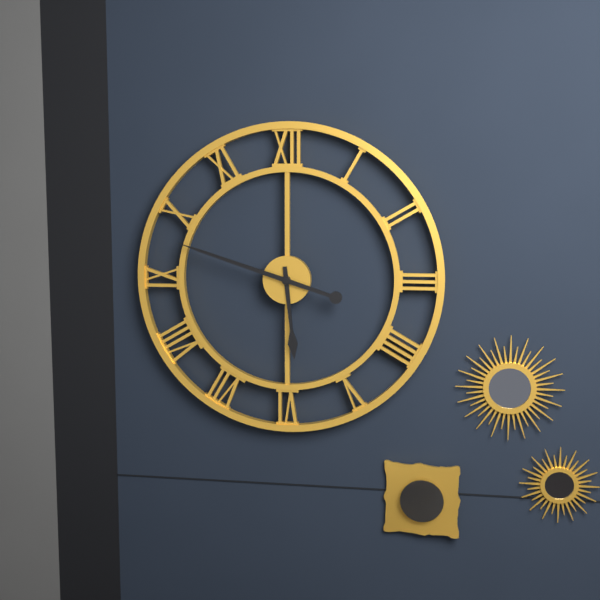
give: {"hour": 5, "minute": 48}
